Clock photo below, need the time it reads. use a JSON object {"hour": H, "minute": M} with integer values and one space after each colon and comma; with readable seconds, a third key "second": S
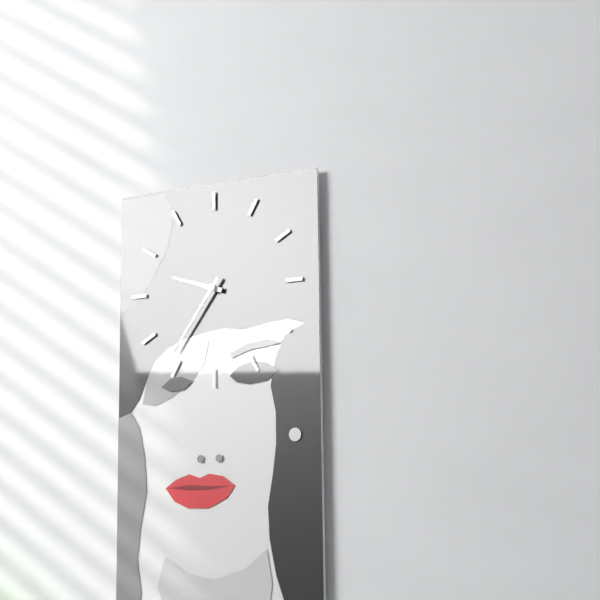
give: {"hour": 9, "minute": 36}
